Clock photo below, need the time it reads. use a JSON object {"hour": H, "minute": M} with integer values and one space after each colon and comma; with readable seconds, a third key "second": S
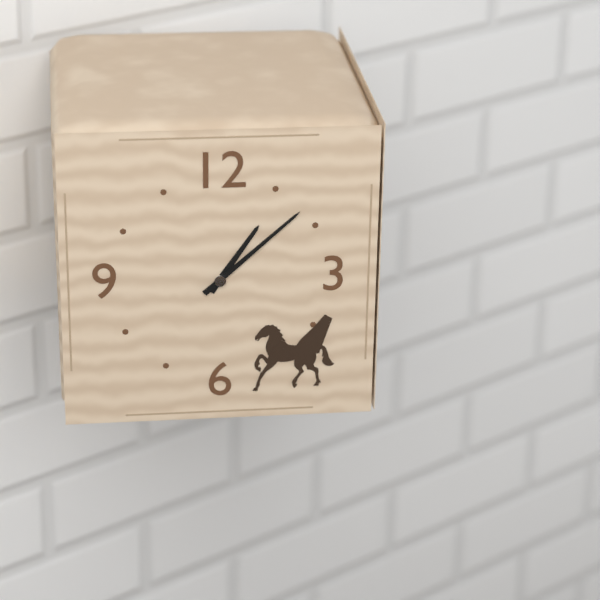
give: {"hour": 1, "minute": 8}
